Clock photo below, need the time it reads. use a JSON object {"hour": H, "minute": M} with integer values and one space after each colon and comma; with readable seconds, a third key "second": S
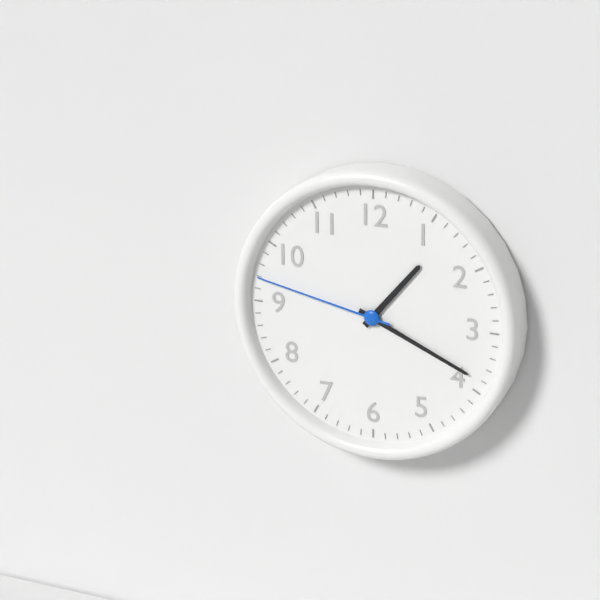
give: {"hour": 1, "minute": 19, "second": 47}
